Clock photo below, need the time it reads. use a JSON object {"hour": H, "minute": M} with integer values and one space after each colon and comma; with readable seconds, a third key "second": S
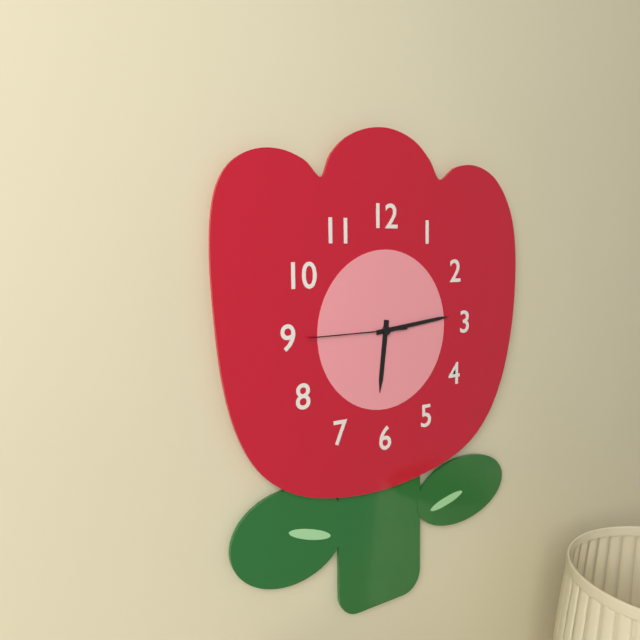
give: {"hour": 6, "minute": 14, "second": 45}
